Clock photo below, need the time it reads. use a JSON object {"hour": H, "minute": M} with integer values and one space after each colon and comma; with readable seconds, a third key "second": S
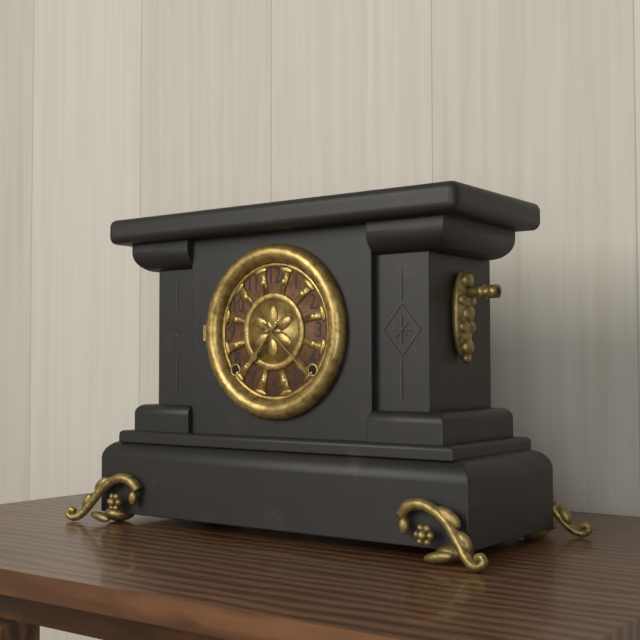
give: {"hour": 7, "minute": 22}
